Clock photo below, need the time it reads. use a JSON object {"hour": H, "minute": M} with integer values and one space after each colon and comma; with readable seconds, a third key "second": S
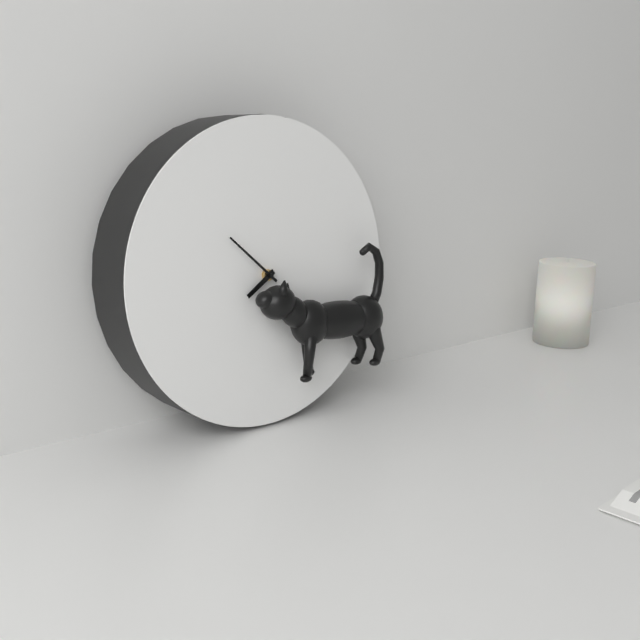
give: {"hour": 7, "minute": 52}
